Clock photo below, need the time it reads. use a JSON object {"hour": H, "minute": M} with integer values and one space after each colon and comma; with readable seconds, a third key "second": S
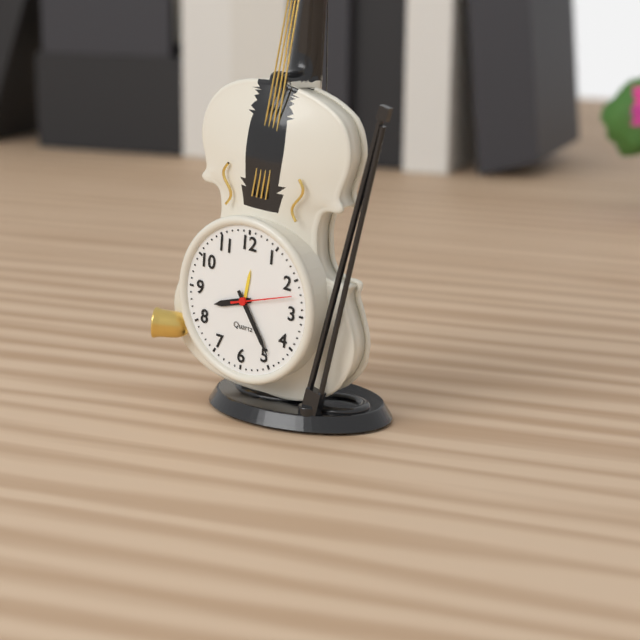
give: {"hour": 8, "minute": 24, "second": 12}
